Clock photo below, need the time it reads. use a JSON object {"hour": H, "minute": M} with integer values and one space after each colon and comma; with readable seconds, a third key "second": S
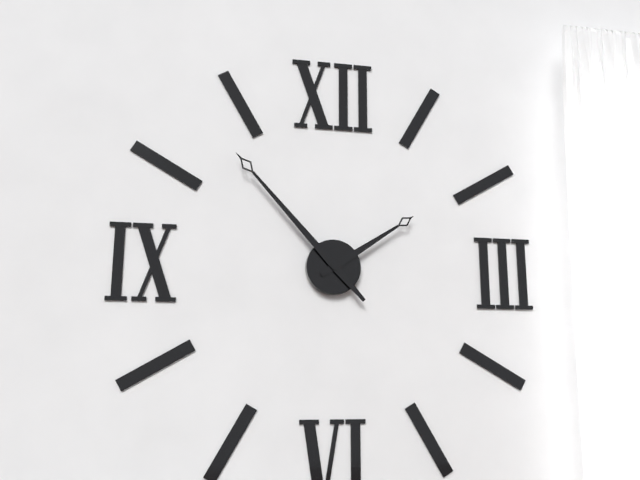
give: {"hour": 1, "minute": 53}
